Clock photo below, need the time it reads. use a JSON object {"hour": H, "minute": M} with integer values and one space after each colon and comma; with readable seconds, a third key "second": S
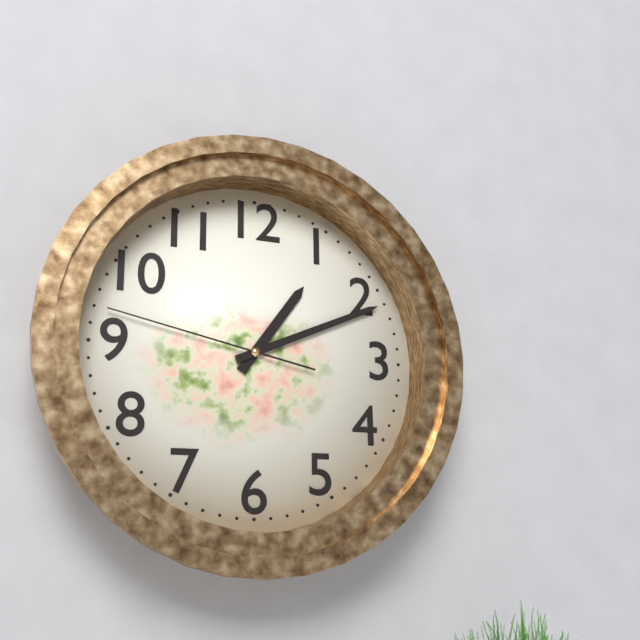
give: {"hour": 1, "minute": 11, "second": 47}
